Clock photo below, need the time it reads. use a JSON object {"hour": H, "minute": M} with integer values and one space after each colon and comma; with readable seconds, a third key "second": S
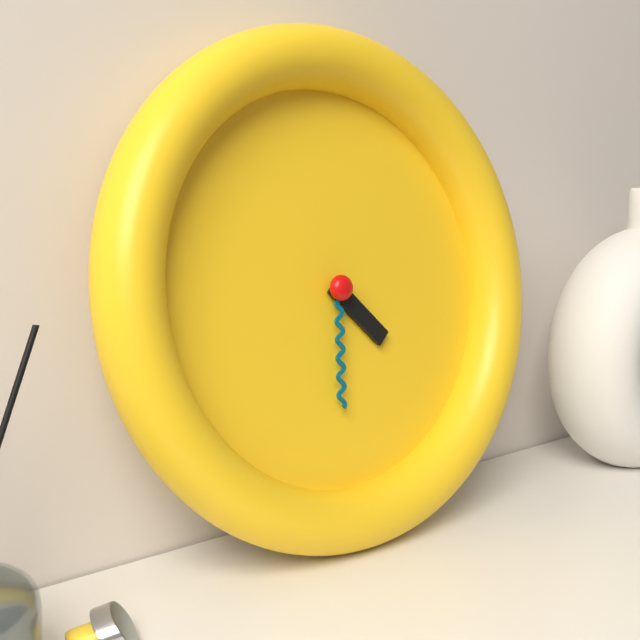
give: {"hour": 4, "minute": 31}
